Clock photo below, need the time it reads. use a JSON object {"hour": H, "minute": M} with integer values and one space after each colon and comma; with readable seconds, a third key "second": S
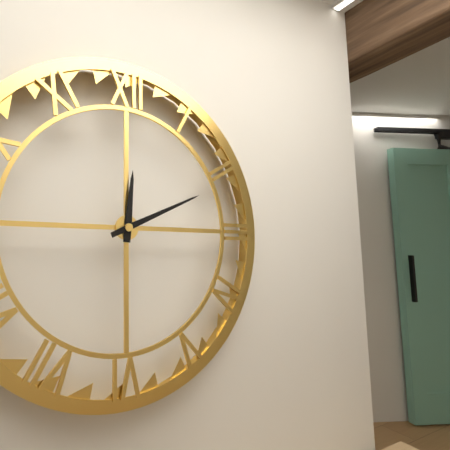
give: {"hour": 12, "minute": 11}
